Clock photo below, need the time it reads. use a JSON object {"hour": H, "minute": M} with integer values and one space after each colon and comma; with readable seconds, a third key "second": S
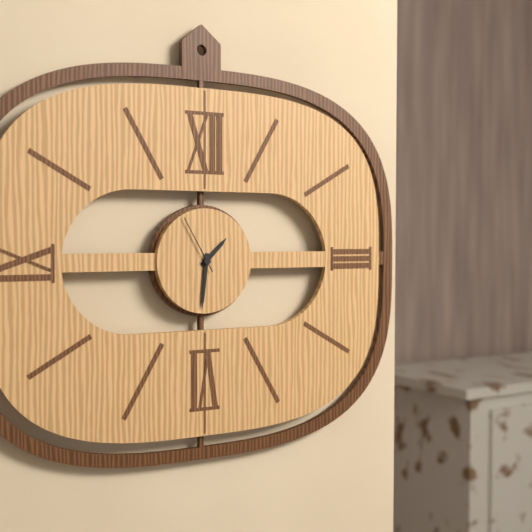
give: {"hour": 1, "minute": 31, "second": 55}
